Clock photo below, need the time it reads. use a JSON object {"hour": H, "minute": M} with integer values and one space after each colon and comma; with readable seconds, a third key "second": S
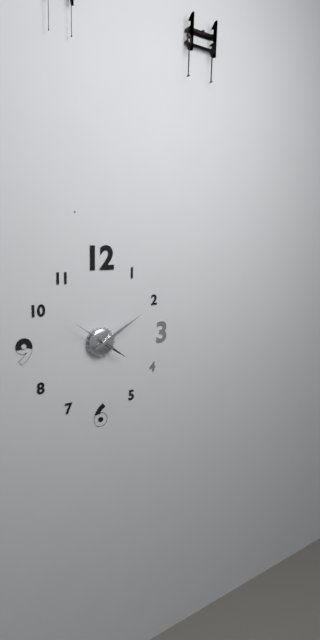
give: {"hour": 4, "minute": 10, "second": 51}
